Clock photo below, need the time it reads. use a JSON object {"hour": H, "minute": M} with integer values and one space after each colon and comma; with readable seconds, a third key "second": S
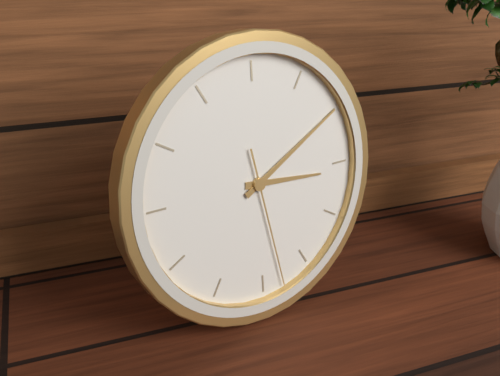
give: {"hour": 3, "minute": 10, "second": 28}
